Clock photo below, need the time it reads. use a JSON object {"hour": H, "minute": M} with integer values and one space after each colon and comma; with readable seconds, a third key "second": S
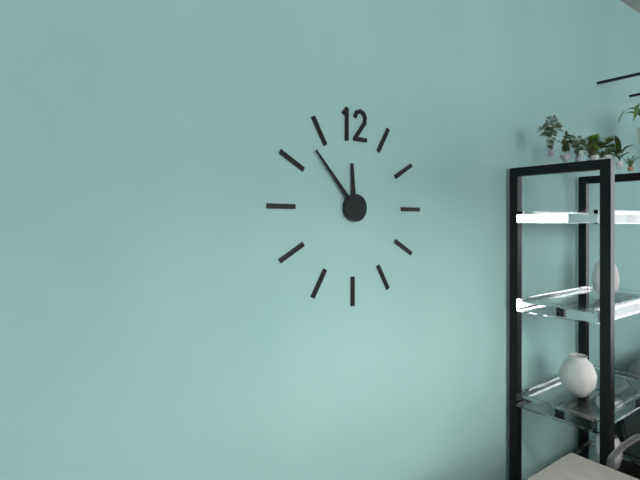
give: {"hour": 11, "minute": 53}
